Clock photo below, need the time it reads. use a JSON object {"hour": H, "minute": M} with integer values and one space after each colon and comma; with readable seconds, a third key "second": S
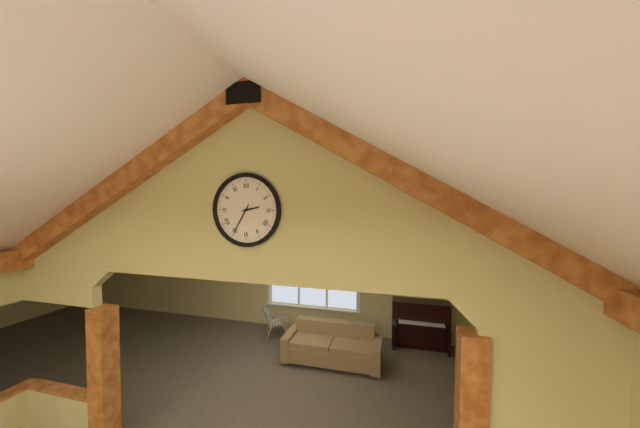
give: {"hour": 2, "minute": 35}
